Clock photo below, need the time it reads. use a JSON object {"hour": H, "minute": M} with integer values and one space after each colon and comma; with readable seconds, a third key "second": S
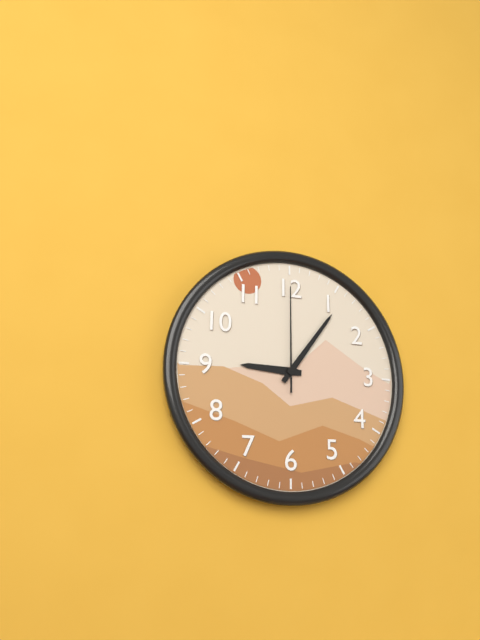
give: {"hour": 9, "minute": 6, "second": 0}
